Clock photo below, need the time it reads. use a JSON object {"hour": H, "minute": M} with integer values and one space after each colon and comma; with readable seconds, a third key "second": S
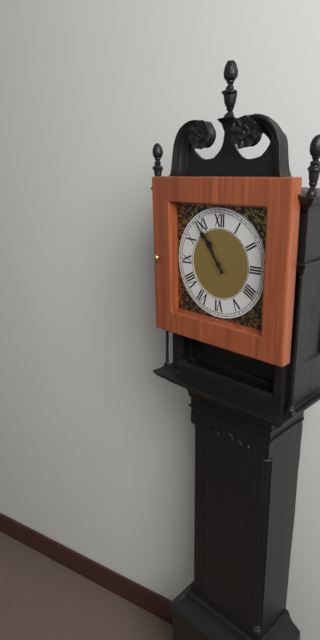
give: {"hour": 10, "minute": 54}
